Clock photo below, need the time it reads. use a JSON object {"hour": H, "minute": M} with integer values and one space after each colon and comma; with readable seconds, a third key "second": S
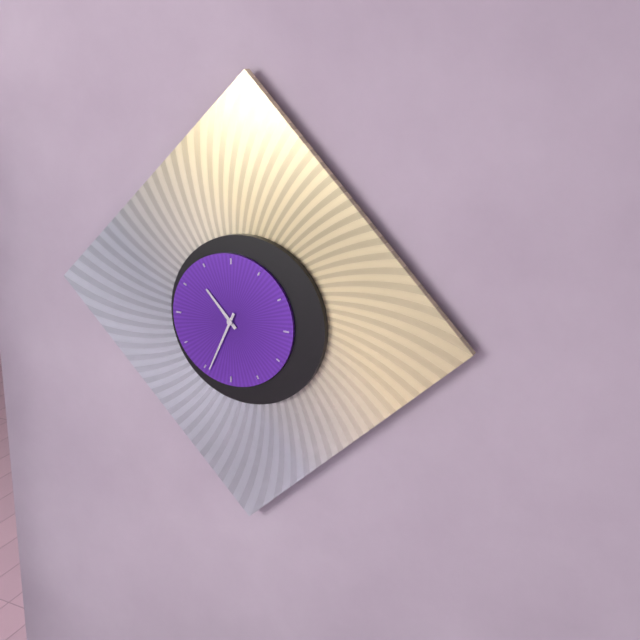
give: {"hour": 10, "minute": 34}
